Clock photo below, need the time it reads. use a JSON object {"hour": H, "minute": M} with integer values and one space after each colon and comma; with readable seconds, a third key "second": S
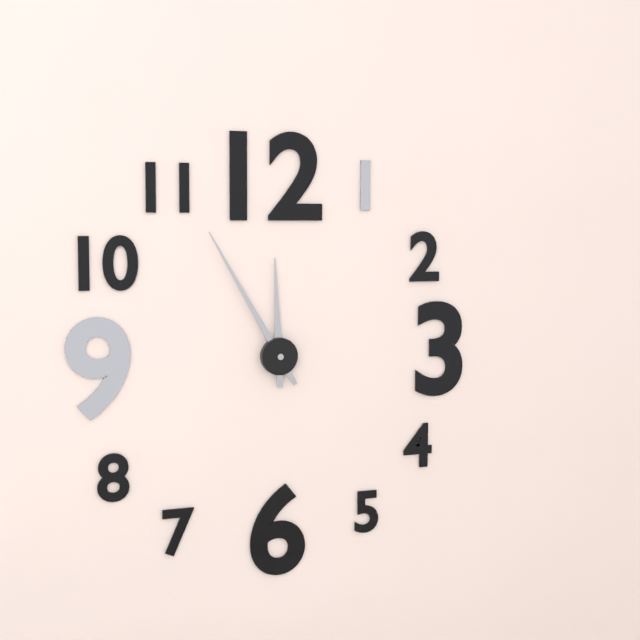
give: {"hour": 11, "minute": 55}
